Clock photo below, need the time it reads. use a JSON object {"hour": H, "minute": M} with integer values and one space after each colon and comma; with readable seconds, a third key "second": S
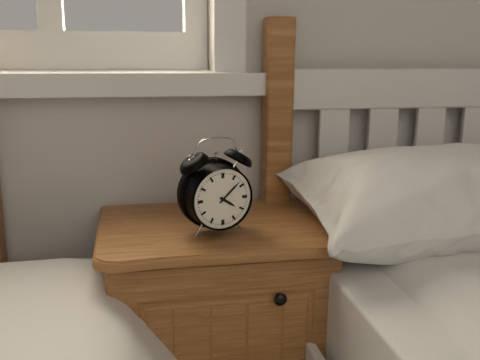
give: {"hour": 4, "minute": 8}
